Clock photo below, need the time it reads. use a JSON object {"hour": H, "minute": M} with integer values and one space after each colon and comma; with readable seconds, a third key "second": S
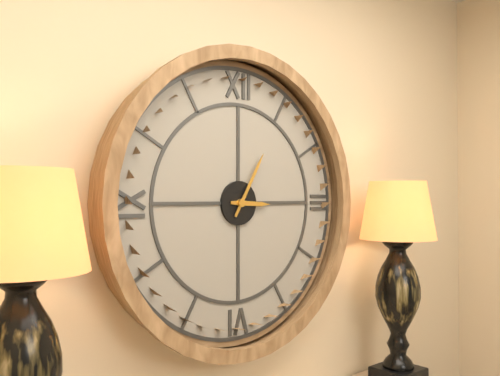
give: {"hour": 3, "minute": 5}
